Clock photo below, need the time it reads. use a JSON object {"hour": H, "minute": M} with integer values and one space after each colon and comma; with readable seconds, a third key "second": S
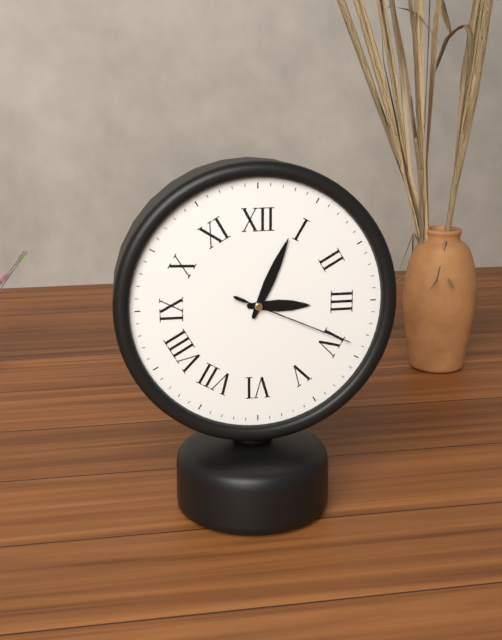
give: {"hour": 3, "minute": 4, "second": 19}
